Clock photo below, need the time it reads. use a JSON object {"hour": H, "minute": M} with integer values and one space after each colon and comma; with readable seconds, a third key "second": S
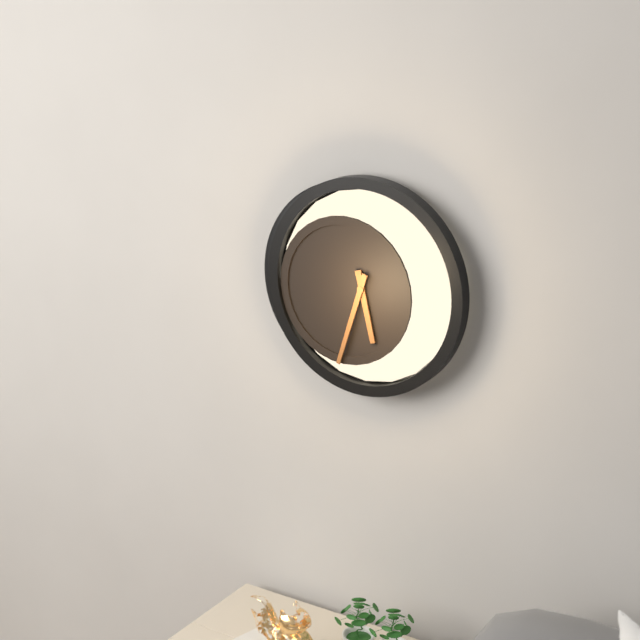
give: {"hour": 5, "minute": 33}
